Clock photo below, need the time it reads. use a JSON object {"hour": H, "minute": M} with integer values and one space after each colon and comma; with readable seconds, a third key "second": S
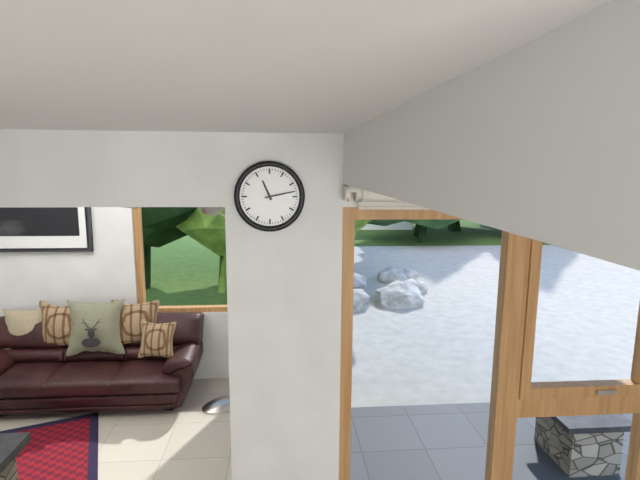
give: {"hour": 11, "minute": 13}
